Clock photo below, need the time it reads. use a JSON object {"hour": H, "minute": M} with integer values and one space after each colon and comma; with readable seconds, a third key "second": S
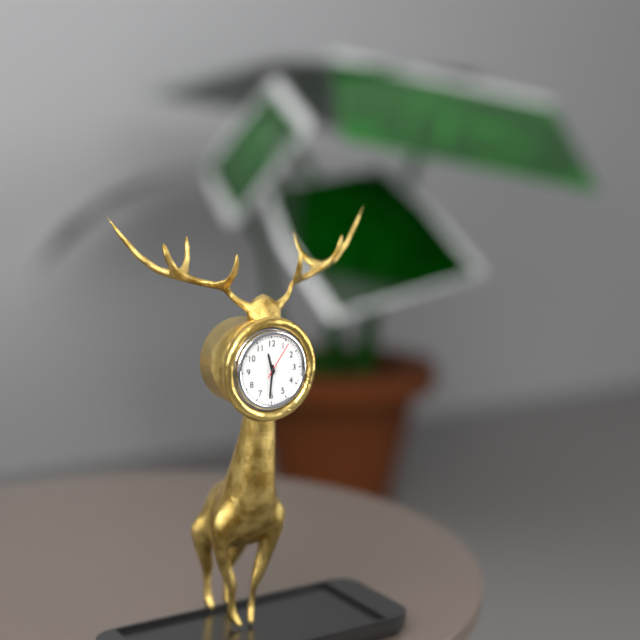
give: {"hour": 11, "minute": 31}
